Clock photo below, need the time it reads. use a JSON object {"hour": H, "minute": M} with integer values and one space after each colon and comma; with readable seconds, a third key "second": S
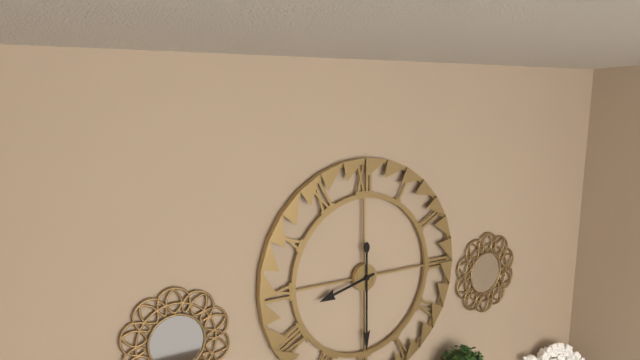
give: {"hour": 8, "minute": 30}
